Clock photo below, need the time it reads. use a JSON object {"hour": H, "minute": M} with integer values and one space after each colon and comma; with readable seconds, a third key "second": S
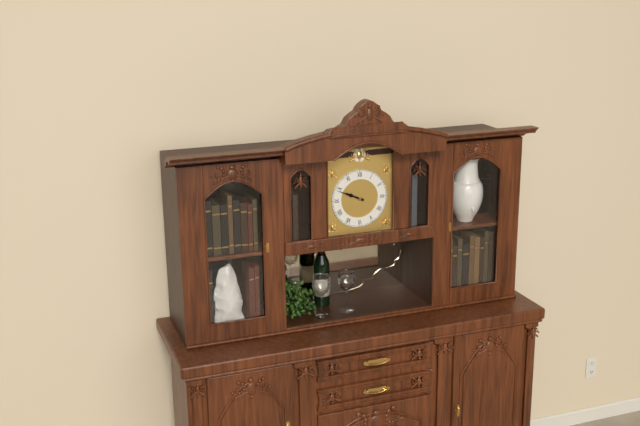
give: {"hour": 9, "minute": 49}
